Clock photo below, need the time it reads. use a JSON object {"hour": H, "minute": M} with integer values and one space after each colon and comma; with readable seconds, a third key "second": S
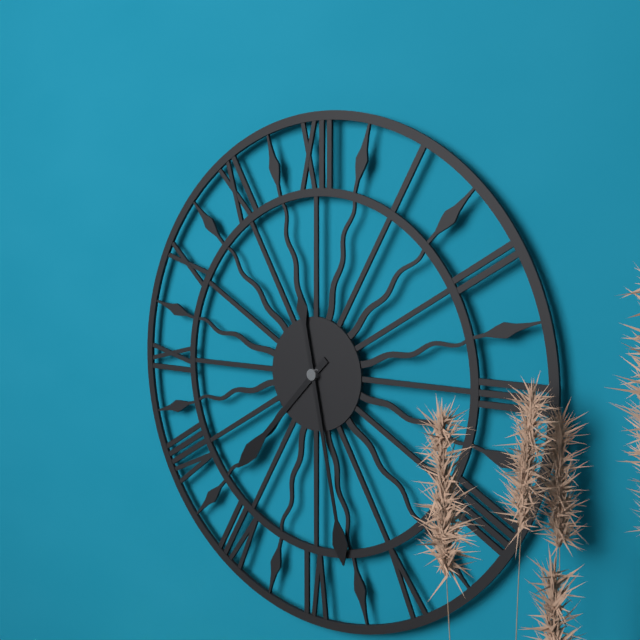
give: {"hour": 7, "minute": 28}
